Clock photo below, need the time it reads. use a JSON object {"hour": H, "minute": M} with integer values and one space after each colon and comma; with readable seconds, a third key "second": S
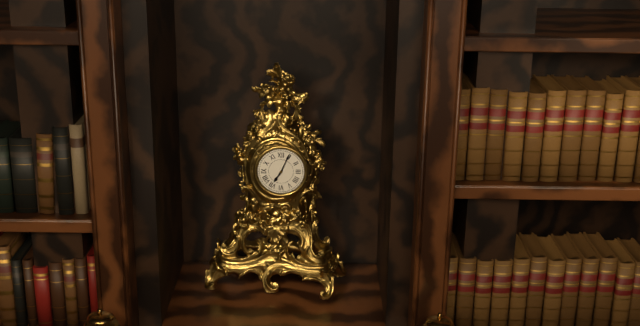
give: {"hour": 7, "minute": 4}
